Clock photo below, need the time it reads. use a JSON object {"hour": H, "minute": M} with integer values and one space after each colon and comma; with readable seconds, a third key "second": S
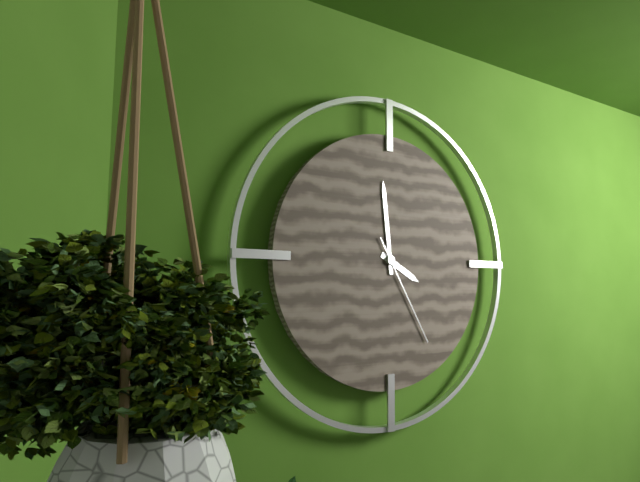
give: {"hour": 3, "minute": 59, "second": 25}
